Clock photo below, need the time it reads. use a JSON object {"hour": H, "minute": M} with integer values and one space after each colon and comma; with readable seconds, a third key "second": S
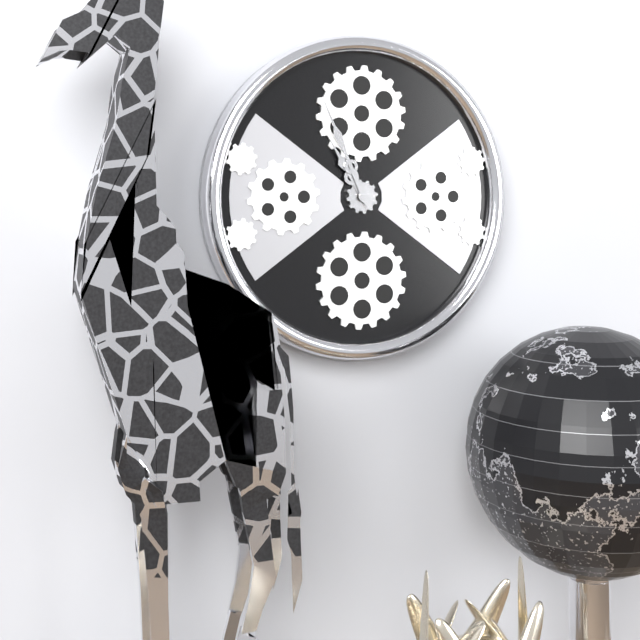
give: {"hour": 10, "minute": 56}
